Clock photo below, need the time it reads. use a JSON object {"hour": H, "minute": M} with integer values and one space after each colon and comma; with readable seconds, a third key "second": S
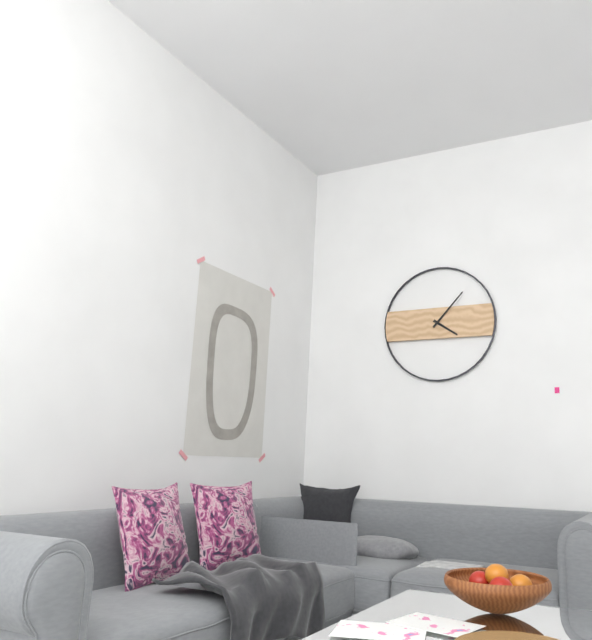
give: {"hour": 4, "minute": 7}
